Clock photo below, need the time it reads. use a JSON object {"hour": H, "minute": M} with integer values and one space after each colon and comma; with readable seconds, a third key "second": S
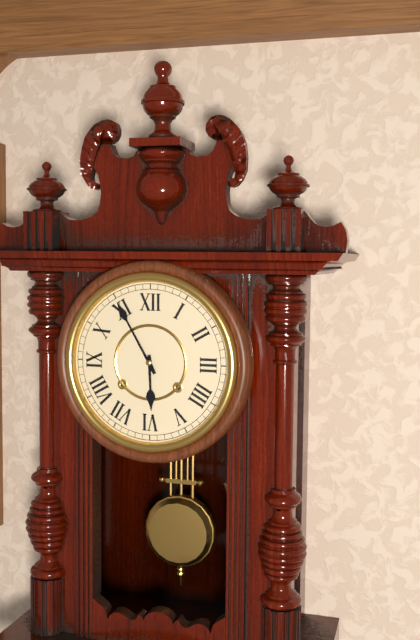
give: {"hour": 5, "minute": 55}
